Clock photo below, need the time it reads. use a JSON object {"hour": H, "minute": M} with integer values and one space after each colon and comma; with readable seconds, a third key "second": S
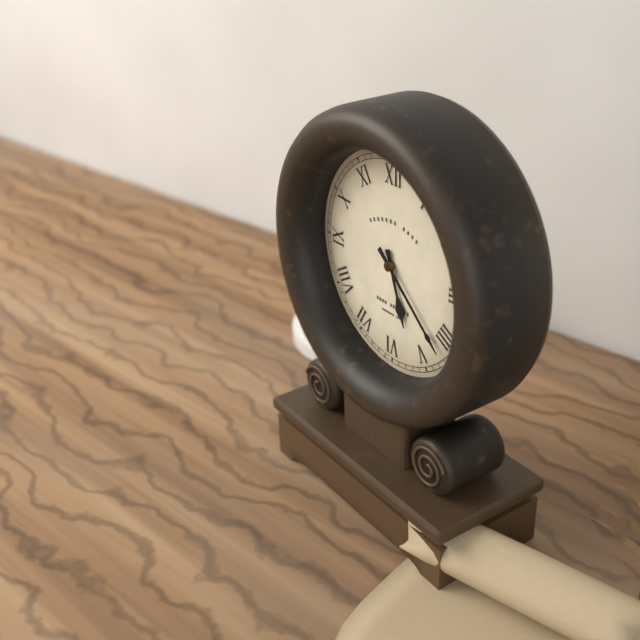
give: {"hour": 5, "minute": 22}
